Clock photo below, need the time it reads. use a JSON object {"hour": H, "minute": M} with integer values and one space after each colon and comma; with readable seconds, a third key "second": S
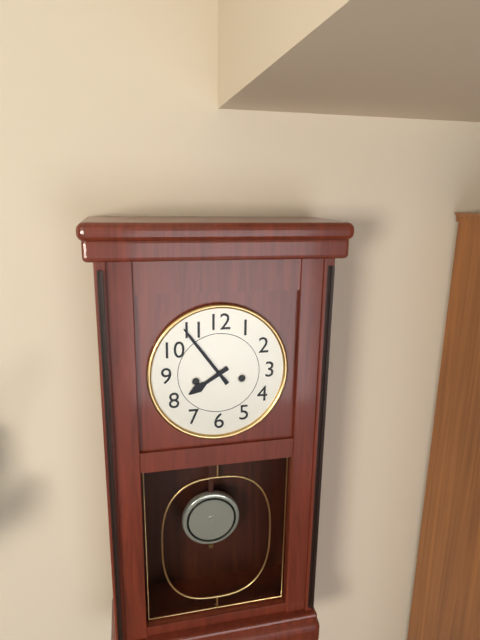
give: {"hour": 7, "minute": 54}
